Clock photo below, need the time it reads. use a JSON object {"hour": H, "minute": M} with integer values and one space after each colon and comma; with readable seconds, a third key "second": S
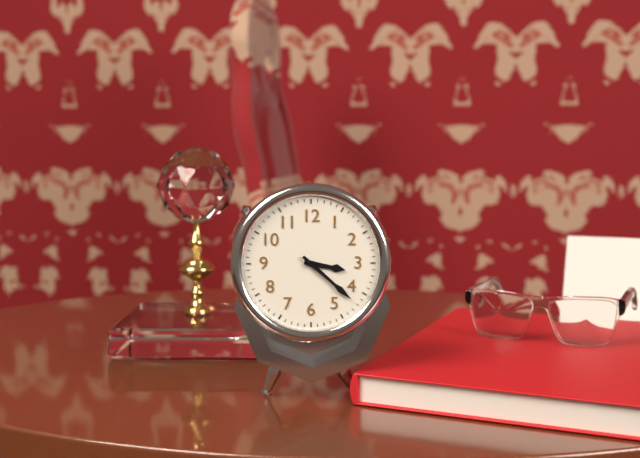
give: {"hour": 3, "minute": 22}
